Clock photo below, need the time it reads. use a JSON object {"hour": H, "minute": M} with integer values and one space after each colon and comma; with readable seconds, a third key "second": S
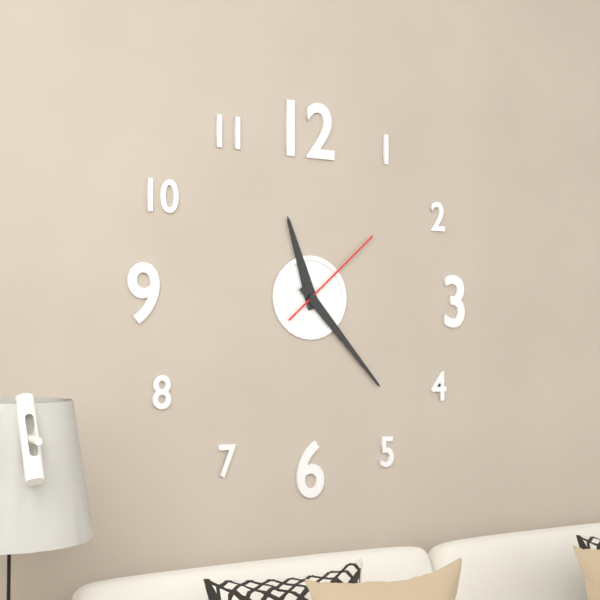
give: {"hour": 11, "minute": 23, "second": 8}
